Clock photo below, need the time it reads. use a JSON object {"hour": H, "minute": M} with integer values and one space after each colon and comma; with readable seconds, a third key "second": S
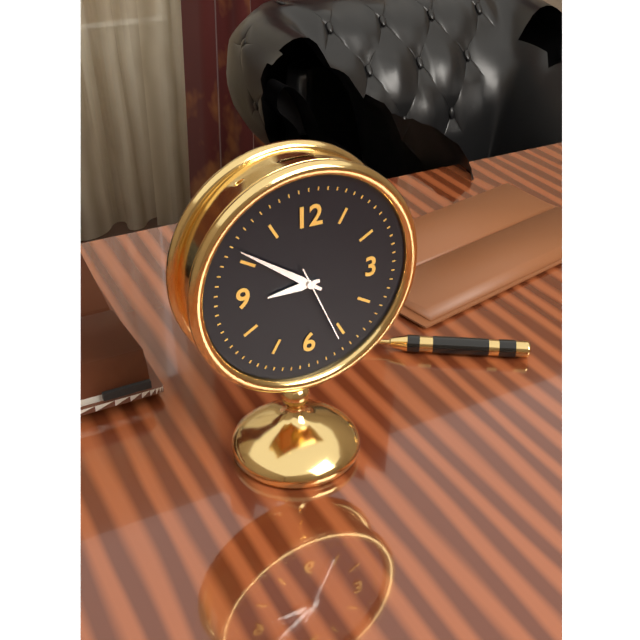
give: {"hour": 8, "minute": 51, "second": 26}
